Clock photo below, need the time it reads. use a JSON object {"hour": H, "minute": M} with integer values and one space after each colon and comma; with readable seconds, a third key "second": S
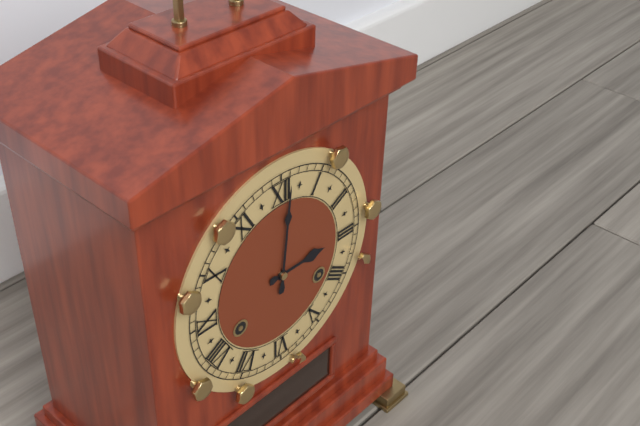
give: {"hour": 3, "minute": 1}
